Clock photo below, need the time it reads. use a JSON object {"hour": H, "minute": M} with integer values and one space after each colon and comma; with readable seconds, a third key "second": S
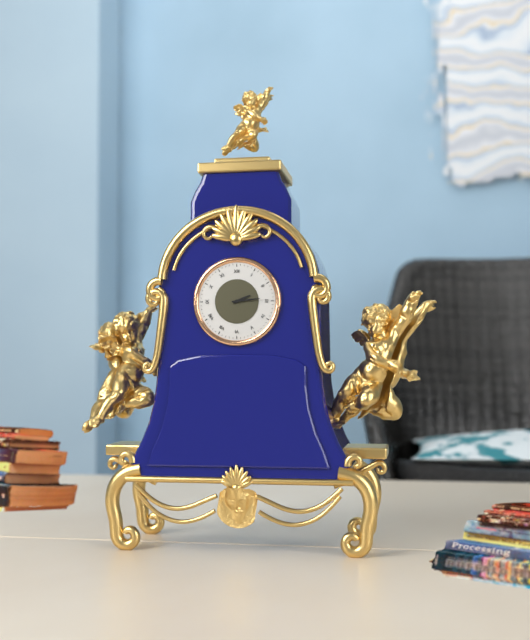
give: {"hour": 2, "minute": 14}
